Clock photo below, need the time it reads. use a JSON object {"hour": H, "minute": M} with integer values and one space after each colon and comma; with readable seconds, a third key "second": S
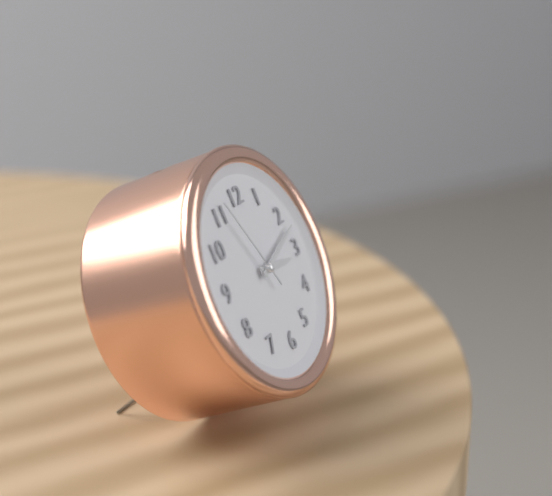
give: {"hour": 3, "minute": 12, "second": 56}
